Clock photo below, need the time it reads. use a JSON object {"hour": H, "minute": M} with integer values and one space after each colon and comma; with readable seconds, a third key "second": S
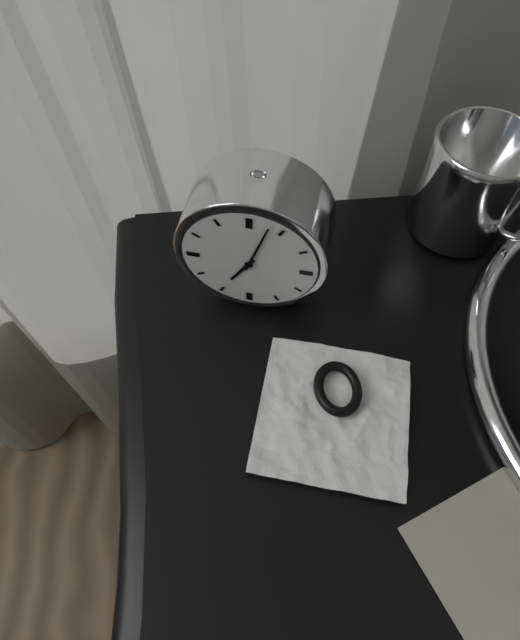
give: {"hour": 7, "minute": 3}
